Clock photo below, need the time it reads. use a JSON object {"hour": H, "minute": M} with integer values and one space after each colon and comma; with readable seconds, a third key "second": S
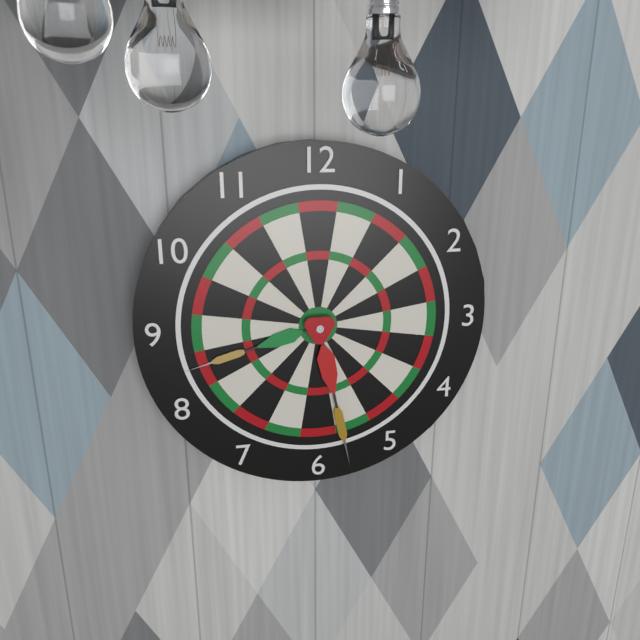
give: {"hour": 8, "minute": 28}
